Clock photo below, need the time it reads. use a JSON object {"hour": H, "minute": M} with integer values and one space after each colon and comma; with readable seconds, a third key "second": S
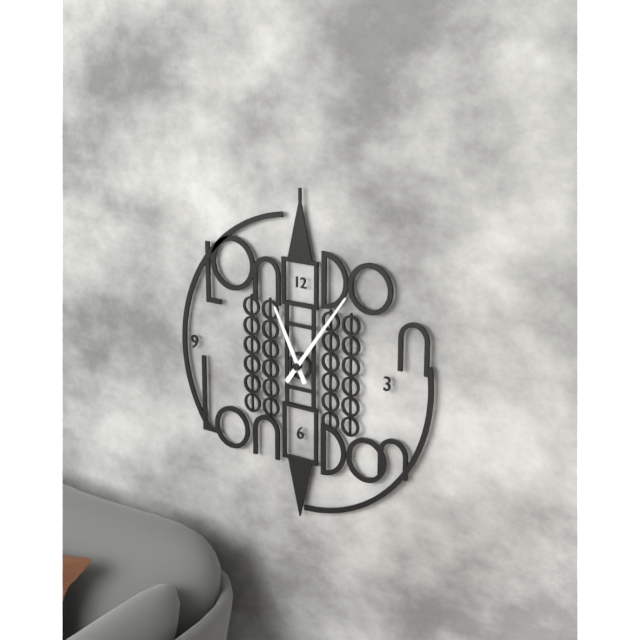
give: {"hour": 11, "minute": 6}
